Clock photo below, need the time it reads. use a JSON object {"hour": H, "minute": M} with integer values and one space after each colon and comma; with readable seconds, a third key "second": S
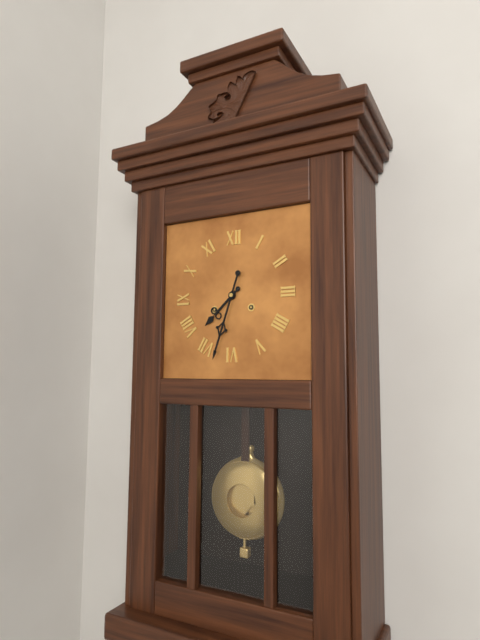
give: {"hour": 7, "minute": 33}
